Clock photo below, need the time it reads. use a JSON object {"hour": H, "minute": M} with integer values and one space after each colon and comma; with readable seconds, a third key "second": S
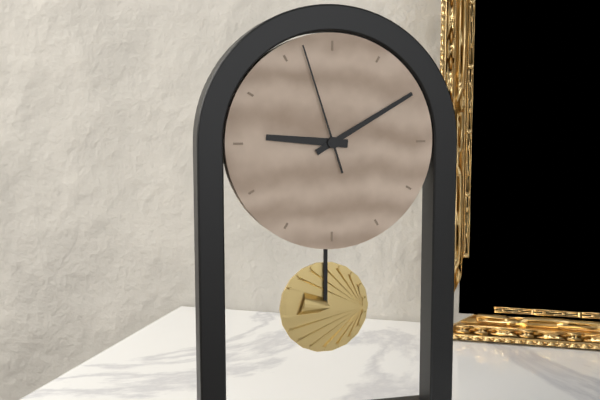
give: {"hour": 9, "minute": 10, "second": 57}
